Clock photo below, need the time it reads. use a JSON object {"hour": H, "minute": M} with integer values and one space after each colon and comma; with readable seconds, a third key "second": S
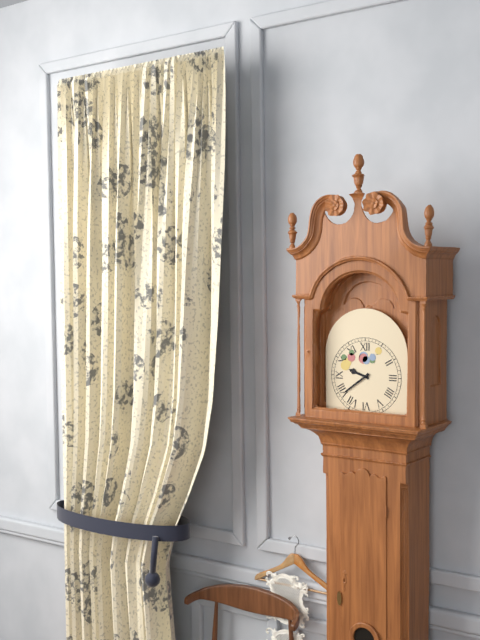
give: {"hour": 9, "minute": 39}
